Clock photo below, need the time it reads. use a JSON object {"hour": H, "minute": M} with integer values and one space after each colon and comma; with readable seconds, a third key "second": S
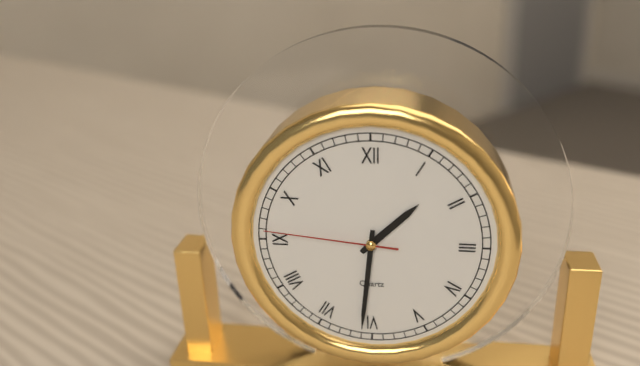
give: {"hour": 1, "minute": 31, "second": 46}
